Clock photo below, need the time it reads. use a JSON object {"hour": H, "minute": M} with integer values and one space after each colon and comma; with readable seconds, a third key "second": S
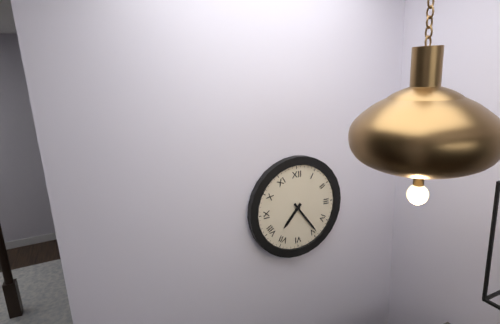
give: {"hour": 7, "minute": 24}
